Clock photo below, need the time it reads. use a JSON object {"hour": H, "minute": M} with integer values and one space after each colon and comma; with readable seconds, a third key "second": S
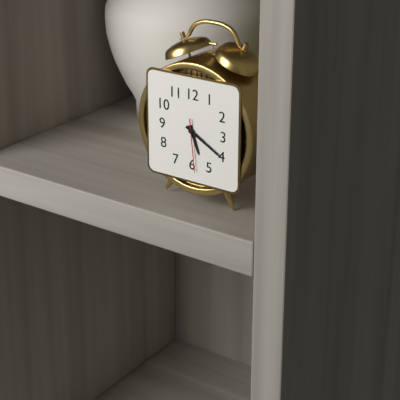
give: {"hour": 5, "minute": 20, "second": 29}
